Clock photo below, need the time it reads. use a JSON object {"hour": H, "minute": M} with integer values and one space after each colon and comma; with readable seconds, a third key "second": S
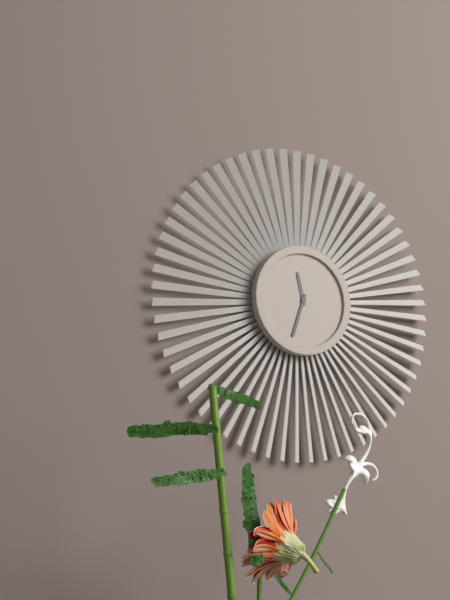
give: {"hour": 11, "minute": 33}
